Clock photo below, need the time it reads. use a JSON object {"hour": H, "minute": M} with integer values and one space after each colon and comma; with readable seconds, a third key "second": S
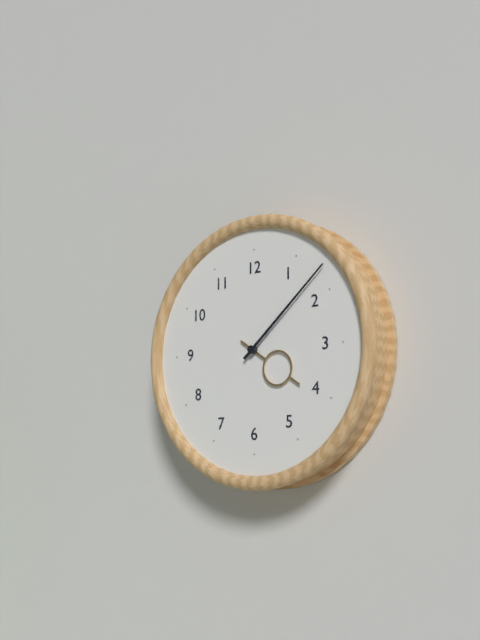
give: {"hour": 4, "minute": 8}
